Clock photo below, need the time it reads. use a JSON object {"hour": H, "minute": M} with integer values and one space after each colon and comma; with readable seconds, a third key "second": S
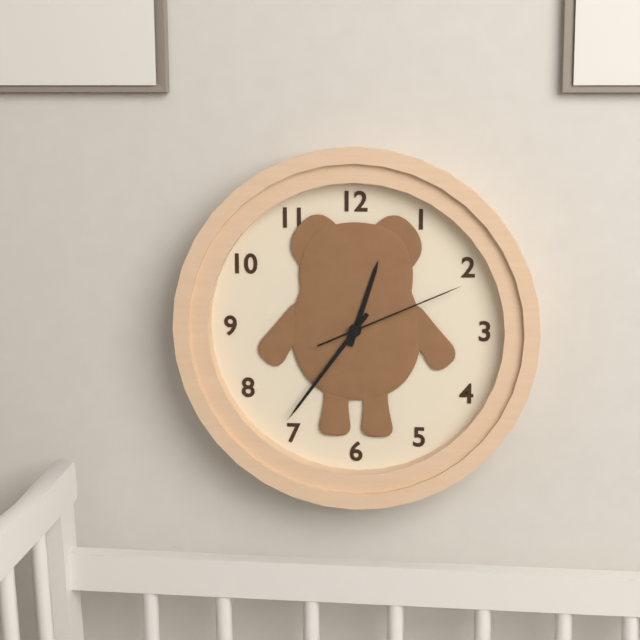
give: {"hour": 12, "minute": 36, "second": 11}
